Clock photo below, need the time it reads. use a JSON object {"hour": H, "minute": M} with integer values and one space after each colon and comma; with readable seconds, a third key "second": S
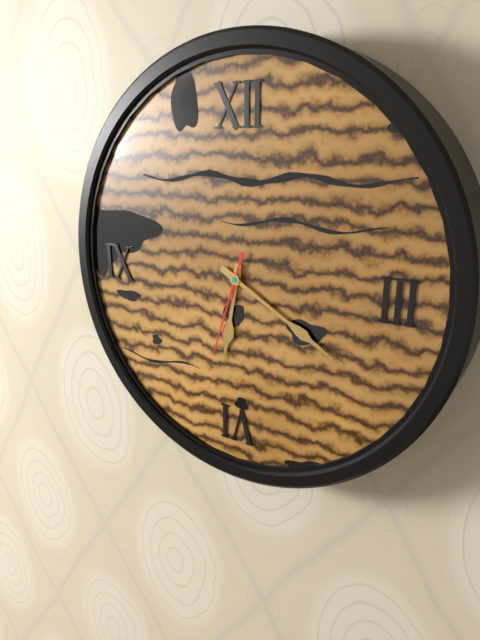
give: {"hour": 6, "minute": 20, "second": 33}
